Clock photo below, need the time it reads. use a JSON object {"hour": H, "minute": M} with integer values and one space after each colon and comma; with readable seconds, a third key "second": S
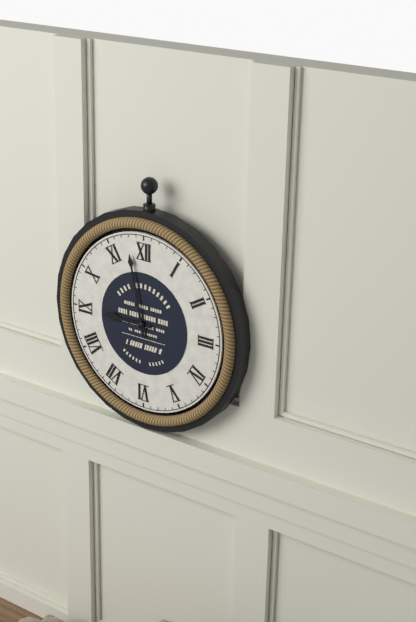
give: {"hour": 8, "minute": 58}
